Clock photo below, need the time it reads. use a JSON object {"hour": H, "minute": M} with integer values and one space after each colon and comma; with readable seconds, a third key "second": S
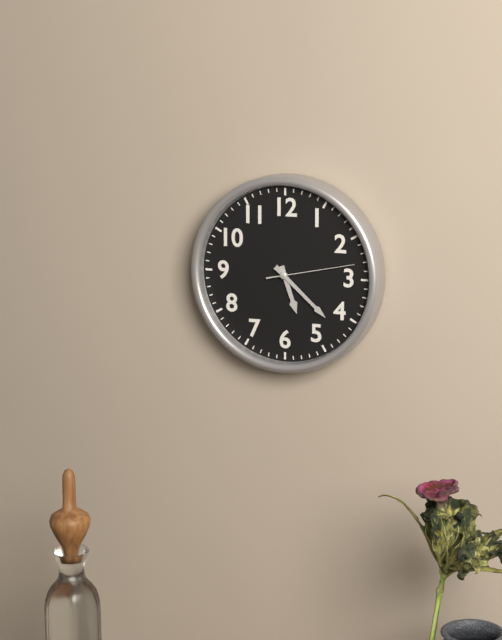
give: {"hour": 5, "minute": 22, "second": 13}
